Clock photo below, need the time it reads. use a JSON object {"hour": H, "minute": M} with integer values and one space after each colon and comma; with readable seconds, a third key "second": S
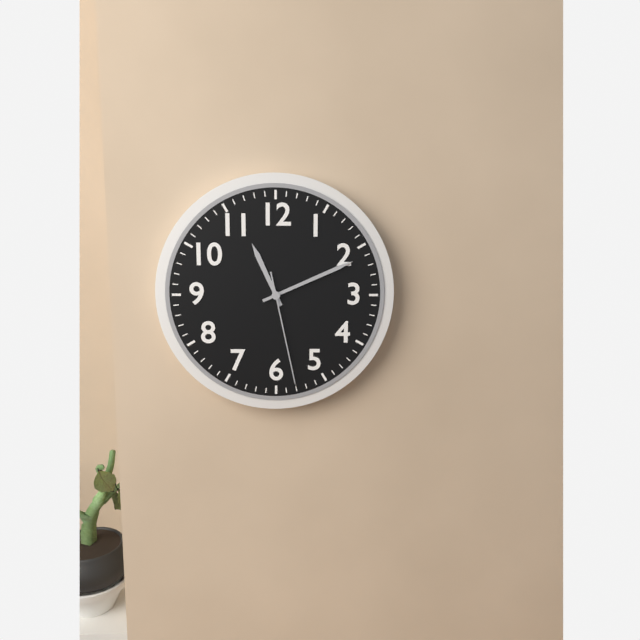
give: {"hour": 11, "minute": 11, "second": 28}
